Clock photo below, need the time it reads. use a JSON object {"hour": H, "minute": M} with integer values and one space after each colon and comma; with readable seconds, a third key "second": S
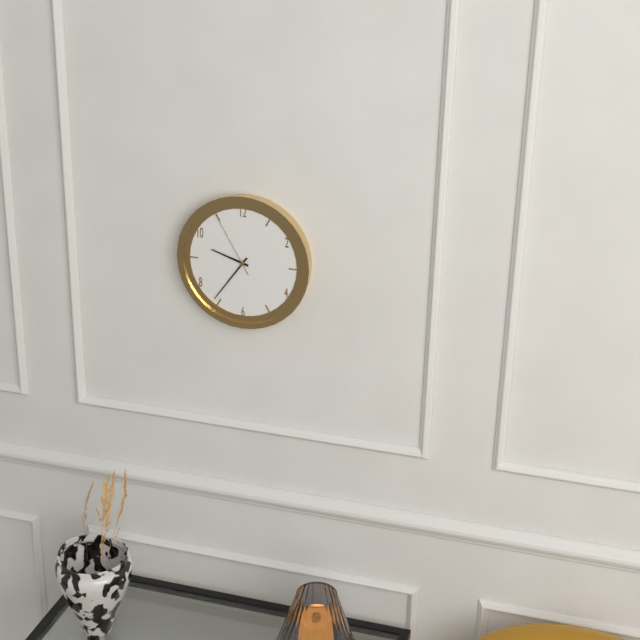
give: {"hour": 9, "minute": 36, "second": 55}
